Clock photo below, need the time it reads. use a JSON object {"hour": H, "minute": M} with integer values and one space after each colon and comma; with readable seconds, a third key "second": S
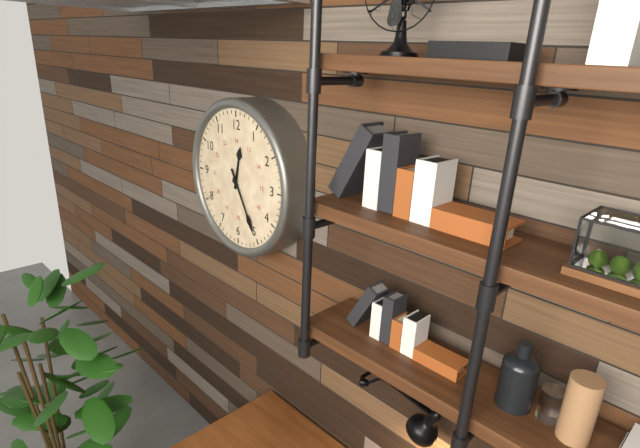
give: {"hour": 12, "minute": 25}
